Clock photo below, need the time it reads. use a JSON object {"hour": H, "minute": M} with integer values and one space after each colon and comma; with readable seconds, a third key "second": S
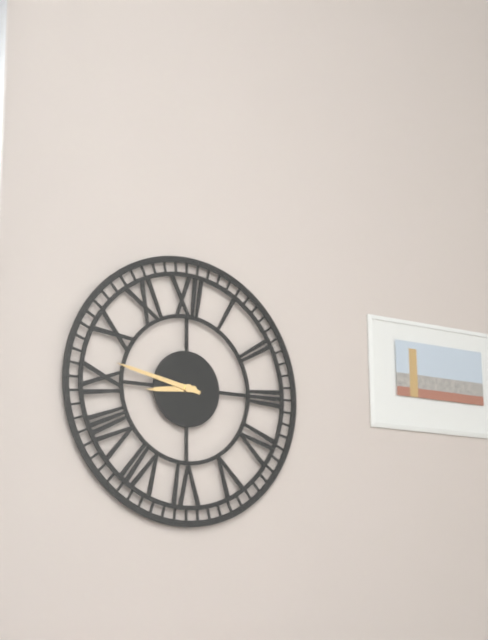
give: {"hour": 8, "minute": 47}
